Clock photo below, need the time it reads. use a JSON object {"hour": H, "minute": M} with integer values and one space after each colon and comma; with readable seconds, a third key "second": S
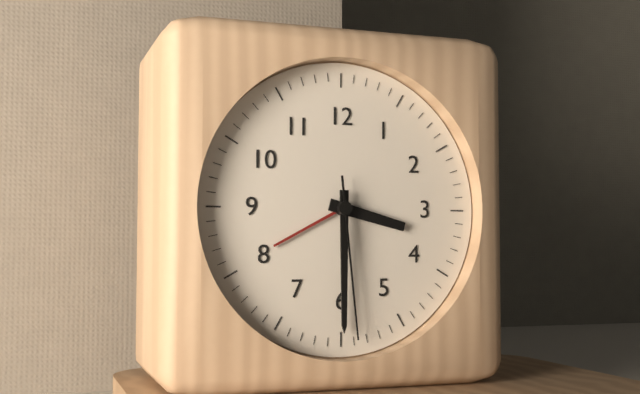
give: {"hour": 3, "minute": 30, "second": 29}
